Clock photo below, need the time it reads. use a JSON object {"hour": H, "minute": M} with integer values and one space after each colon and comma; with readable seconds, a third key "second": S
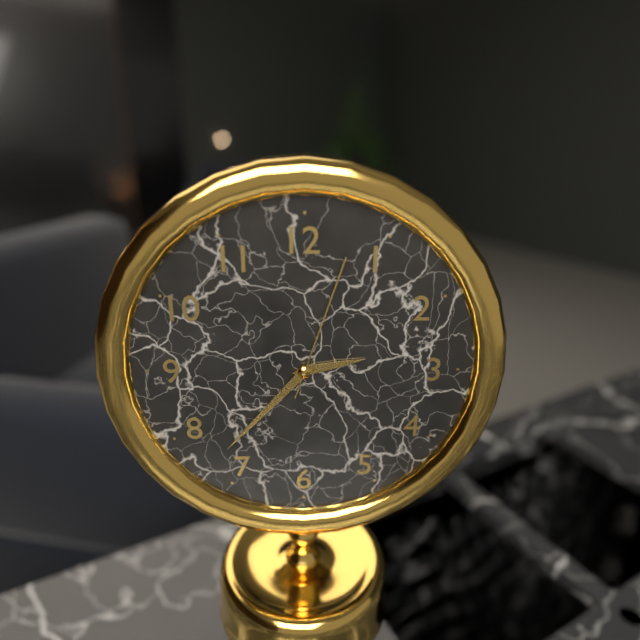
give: {"hour": 2, "minute": 37, "second": 3}
